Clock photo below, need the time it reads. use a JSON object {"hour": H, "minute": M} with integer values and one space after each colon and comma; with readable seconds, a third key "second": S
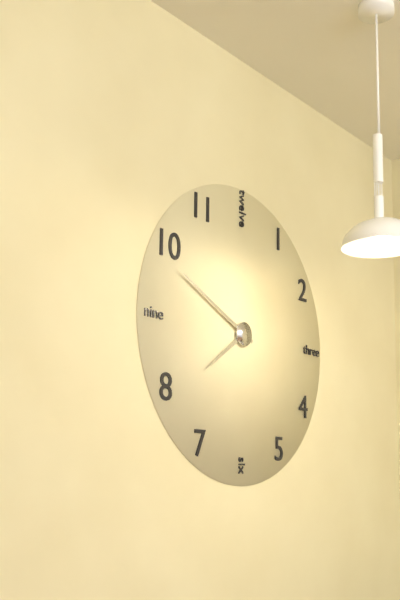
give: {"hour": 7, "minute": 49}
